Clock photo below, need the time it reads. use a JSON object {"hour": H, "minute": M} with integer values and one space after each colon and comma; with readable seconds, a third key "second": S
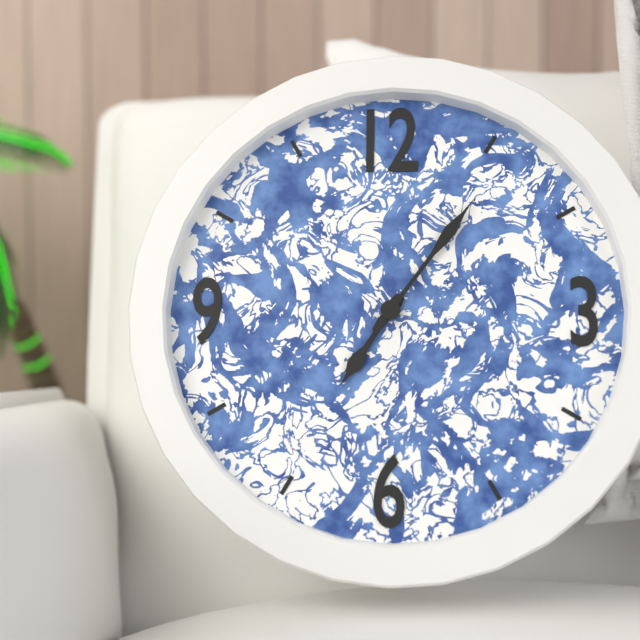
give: {"hour": 7, "minute": 6}
